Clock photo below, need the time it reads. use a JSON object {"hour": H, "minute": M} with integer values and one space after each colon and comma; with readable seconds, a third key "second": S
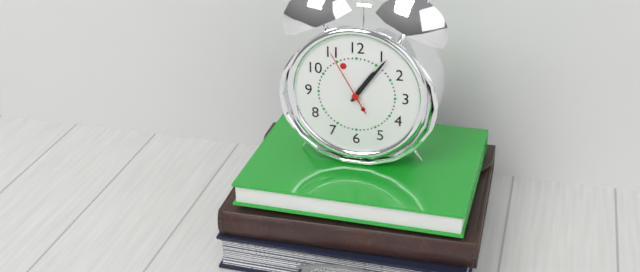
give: {"hour": 1, "minute": 6, "second": 55}
